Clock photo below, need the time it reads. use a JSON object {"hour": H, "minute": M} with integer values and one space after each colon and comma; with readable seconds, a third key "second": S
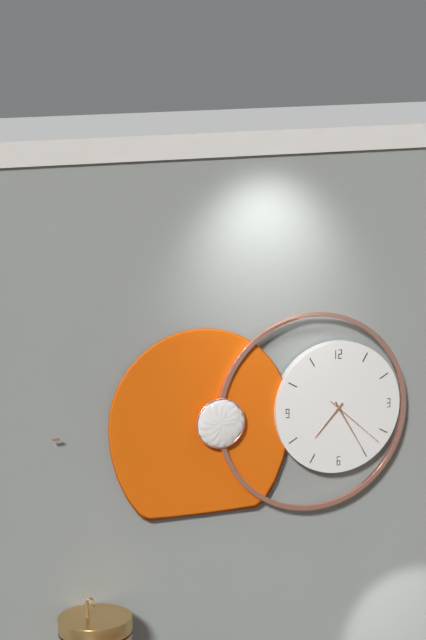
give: {"hour": 7, "minute": 25, "second": 22}
